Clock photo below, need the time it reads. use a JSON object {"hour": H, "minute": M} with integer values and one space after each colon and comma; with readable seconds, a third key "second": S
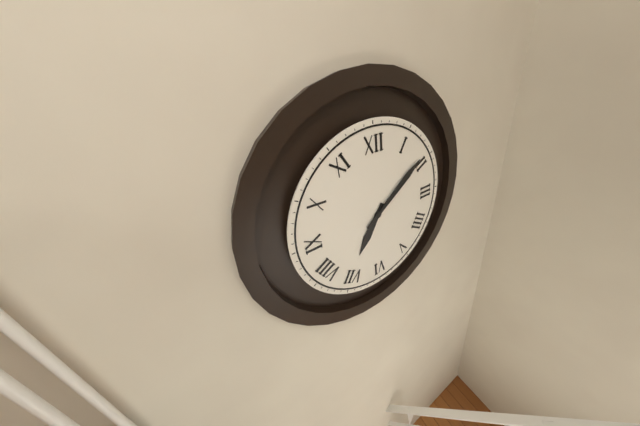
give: {"hour": 7, "minute": 9}
